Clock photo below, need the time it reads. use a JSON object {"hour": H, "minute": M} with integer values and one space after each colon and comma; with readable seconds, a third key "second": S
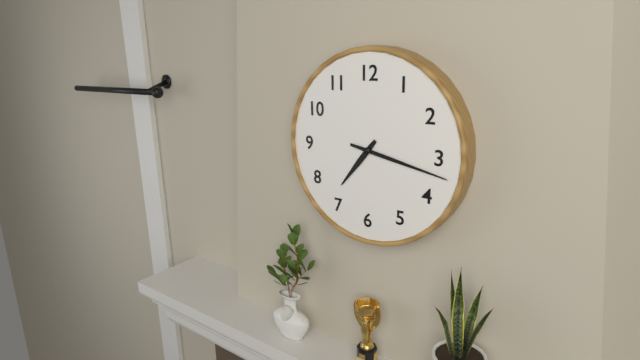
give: {"hour": 7, "minute": 17}
